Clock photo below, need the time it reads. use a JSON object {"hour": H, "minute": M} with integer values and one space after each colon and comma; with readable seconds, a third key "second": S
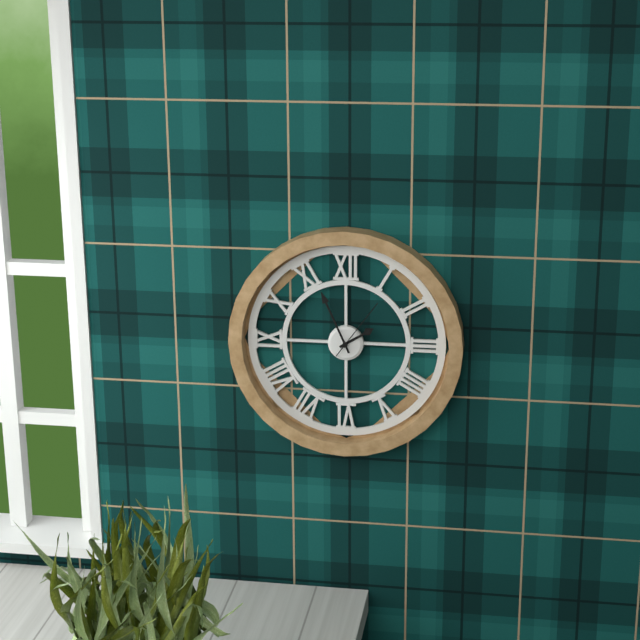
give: {"hour": 1, "minute": 56, "second": 6}
